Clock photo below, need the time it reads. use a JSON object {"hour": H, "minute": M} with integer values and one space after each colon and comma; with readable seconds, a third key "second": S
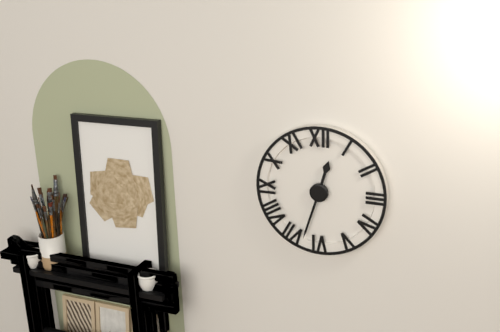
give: {"hour": 12, "minute": 33}
